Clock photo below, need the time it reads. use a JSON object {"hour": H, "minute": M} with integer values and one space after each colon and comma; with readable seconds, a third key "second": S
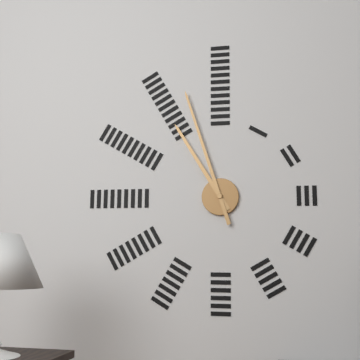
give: {"hour": 10, "minute": 57}
